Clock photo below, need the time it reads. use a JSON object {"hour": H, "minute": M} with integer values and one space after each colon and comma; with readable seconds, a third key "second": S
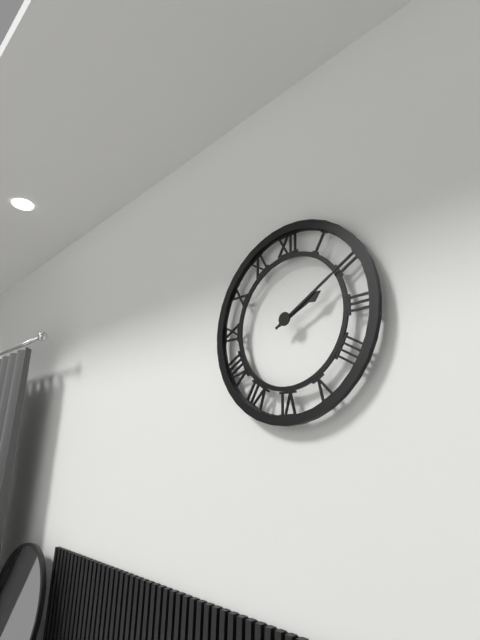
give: {"hour": 2, "minute": 10}
